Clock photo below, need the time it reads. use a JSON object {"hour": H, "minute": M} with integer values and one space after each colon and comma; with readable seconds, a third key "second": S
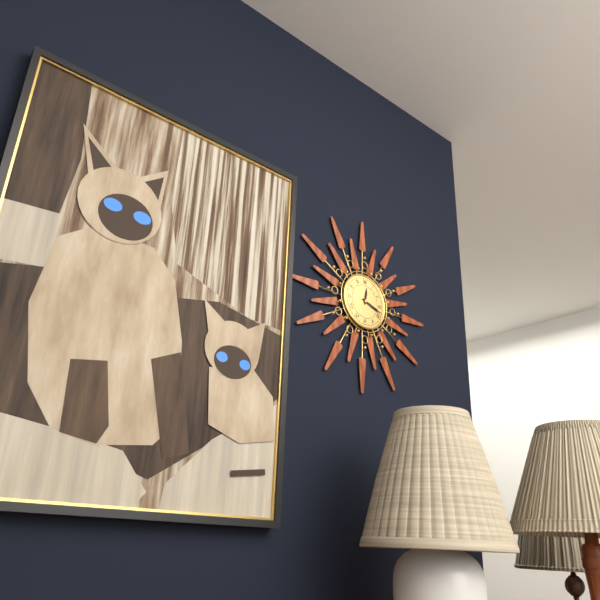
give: {"hour": 12, "minute": 18}
